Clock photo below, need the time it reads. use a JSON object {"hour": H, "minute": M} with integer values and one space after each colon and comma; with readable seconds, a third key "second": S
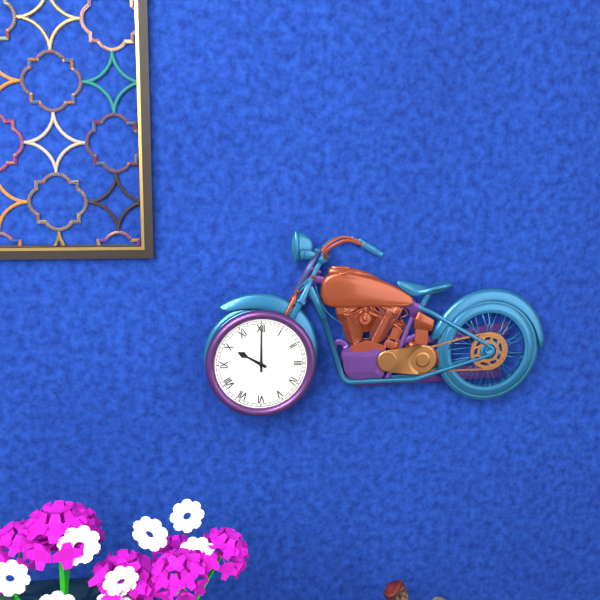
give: {"hour": 10, "minute": 0}
